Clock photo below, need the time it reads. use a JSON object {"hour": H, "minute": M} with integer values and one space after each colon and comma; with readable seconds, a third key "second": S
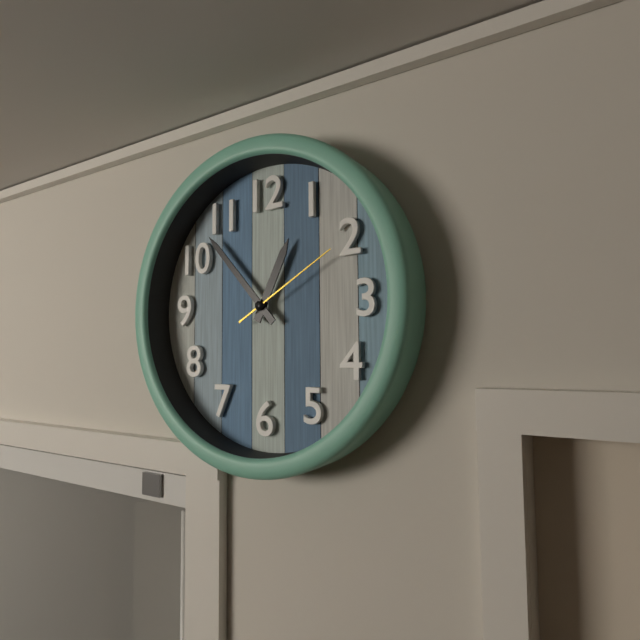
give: {"hour": 12, "minute": 53, "second": 10}
